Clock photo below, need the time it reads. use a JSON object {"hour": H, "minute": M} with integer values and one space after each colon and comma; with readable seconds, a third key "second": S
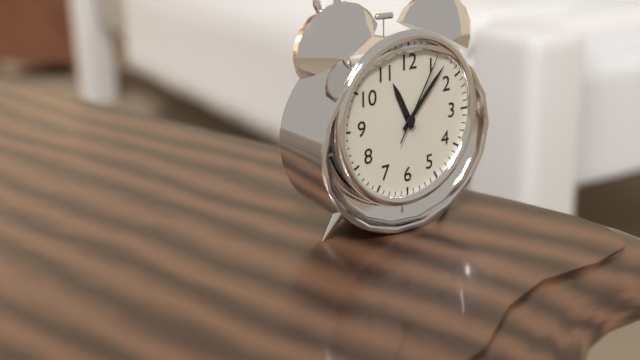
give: {"hour": 11, "minute": 7, "second": 5}
